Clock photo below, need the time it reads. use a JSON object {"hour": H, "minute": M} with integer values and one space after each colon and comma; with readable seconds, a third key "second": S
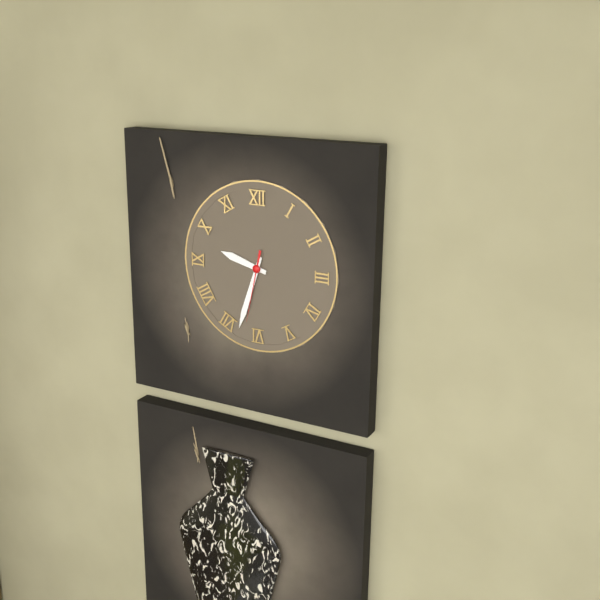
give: {"hour": 9, "minute": 33, "second": 32}
